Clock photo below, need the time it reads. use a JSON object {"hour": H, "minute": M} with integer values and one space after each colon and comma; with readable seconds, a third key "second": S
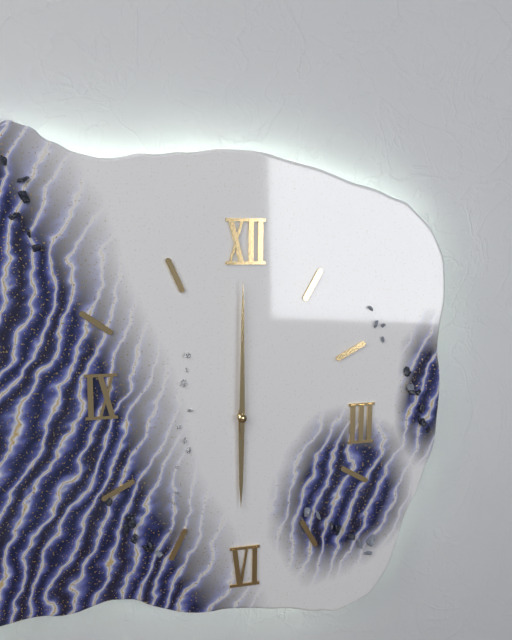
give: {"hour": 6, "minute": 0}
